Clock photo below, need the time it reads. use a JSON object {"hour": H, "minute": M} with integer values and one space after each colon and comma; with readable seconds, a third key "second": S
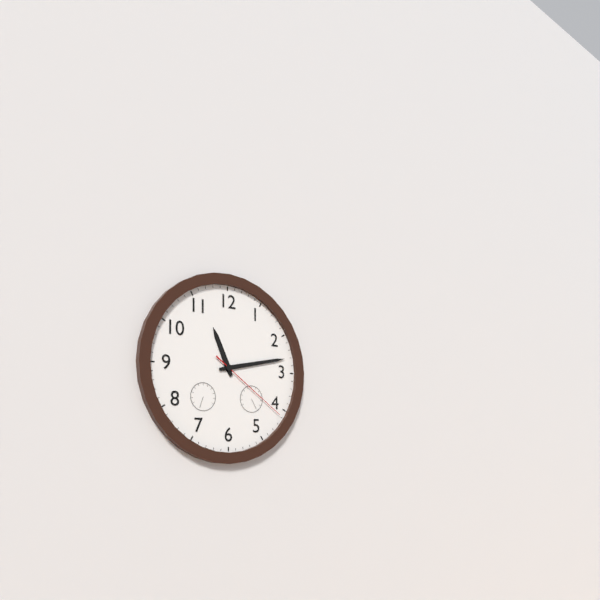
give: {"hour": 11, "minute": 13, "second": 21}
